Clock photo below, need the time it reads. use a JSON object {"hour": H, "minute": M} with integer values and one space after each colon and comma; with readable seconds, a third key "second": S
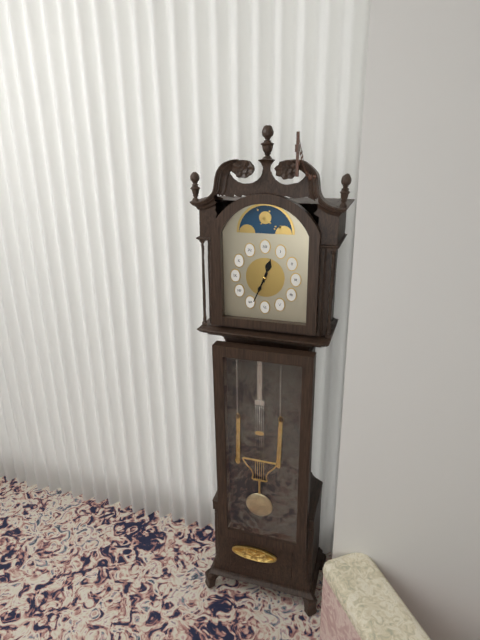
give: {"hour": 12, "minute": 34}
